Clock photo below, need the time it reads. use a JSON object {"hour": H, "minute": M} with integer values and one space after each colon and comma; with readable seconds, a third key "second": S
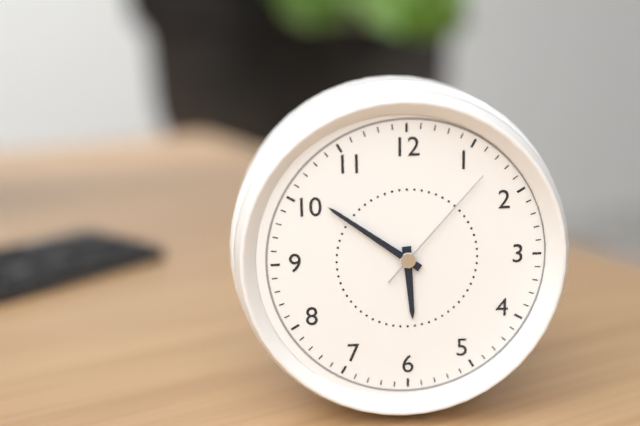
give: {"hour": 5, "minute": 51, "second": 7}
